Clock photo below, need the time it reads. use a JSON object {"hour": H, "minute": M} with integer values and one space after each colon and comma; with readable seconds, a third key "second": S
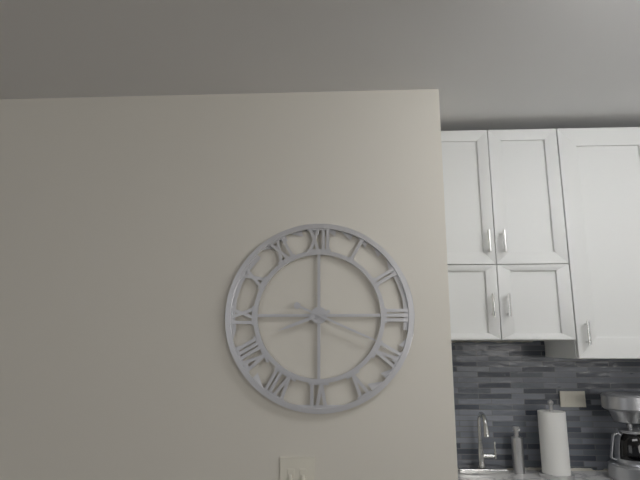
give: {"hour": 8, "minute": 19}
